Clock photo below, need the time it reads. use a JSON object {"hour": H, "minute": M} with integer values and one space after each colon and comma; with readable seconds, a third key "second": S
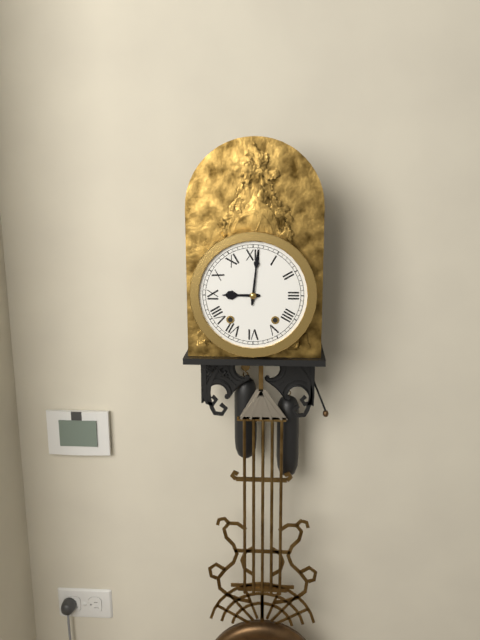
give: {"hour": 9, "minute": 1}
